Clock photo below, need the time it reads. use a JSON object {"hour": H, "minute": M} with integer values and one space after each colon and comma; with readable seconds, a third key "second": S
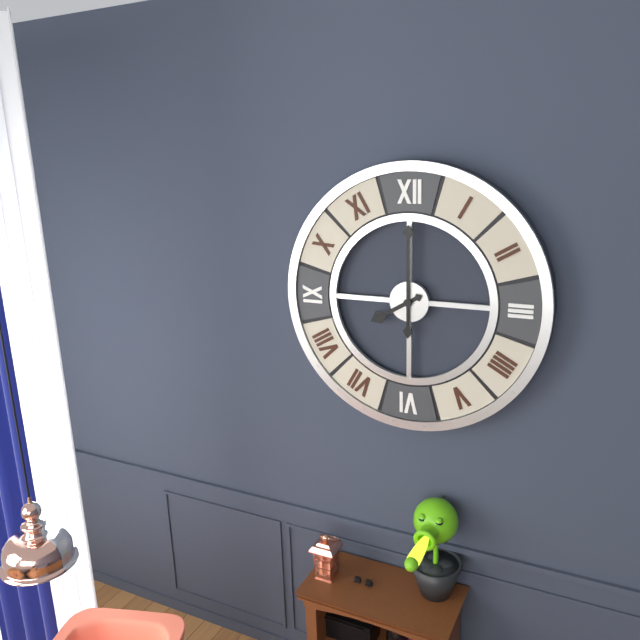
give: {"hour": 8, "minute": 0}
